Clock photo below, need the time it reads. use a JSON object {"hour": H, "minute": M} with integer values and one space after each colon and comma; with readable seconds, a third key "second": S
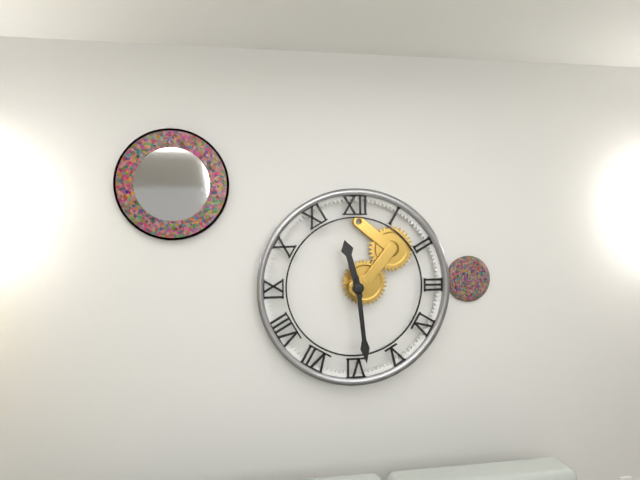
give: {"hour": 11, "minute": 29}
